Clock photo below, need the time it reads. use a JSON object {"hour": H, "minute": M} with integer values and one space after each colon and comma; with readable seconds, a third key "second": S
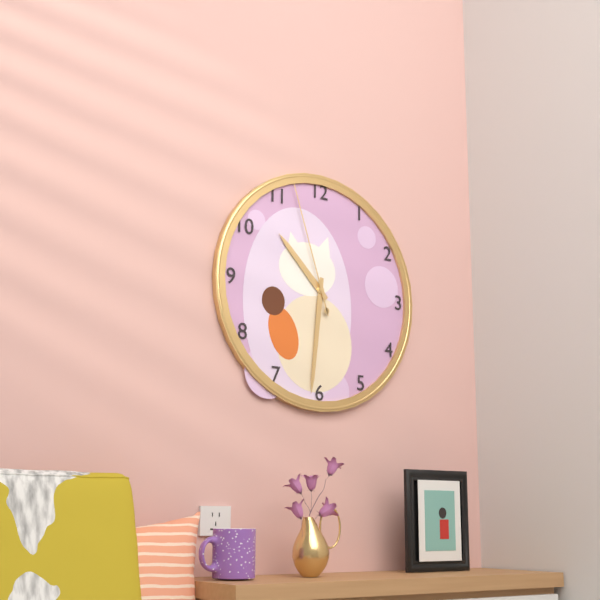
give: {"hour": 10, "minute": 31, "second": 57}
